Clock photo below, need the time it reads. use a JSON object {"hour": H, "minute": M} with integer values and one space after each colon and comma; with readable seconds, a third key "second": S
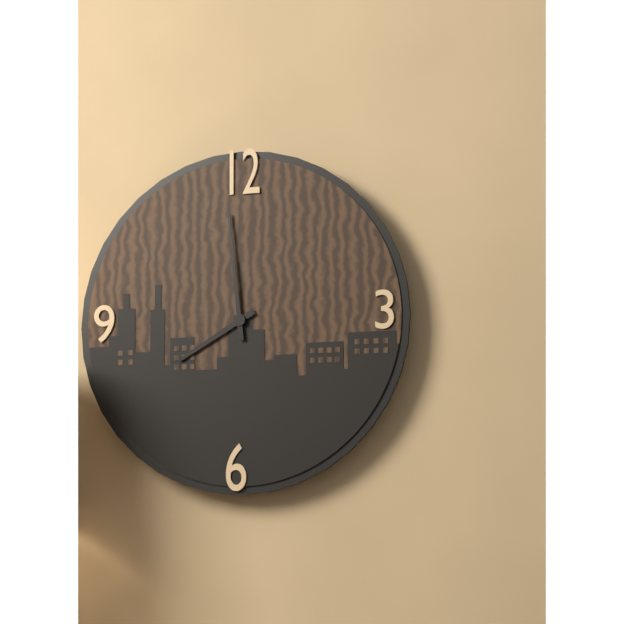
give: {"hour": 7, "minute": 59}
